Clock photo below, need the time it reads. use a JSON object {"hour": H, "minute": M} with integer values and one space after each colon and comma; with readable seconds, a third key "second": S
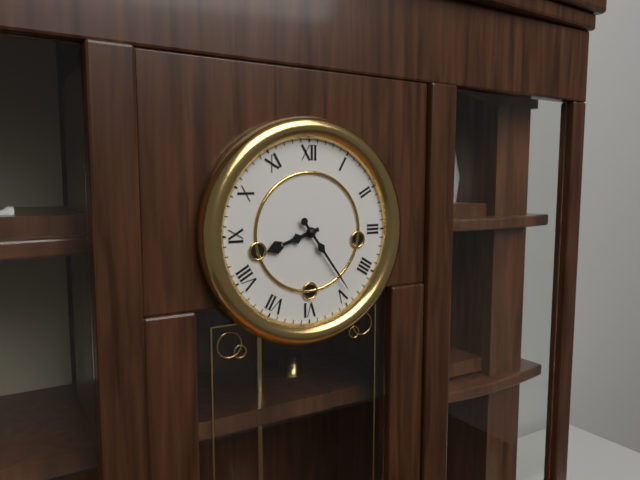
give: {"hour": 8, "minute": 24}
